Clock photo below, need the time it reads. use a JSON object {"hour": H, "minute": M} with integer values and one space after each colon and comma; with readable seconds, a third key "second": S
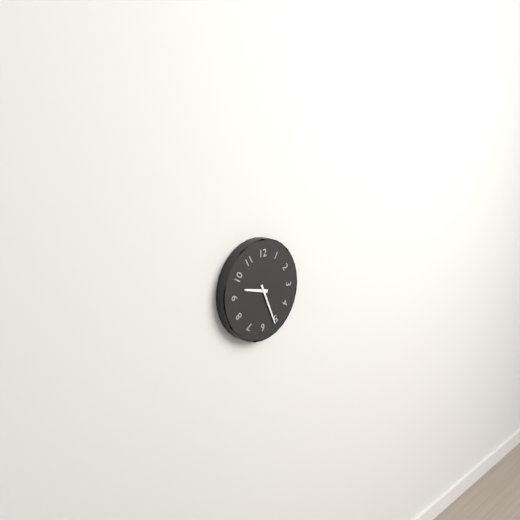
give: {"hour": 9, "minute": 26}
